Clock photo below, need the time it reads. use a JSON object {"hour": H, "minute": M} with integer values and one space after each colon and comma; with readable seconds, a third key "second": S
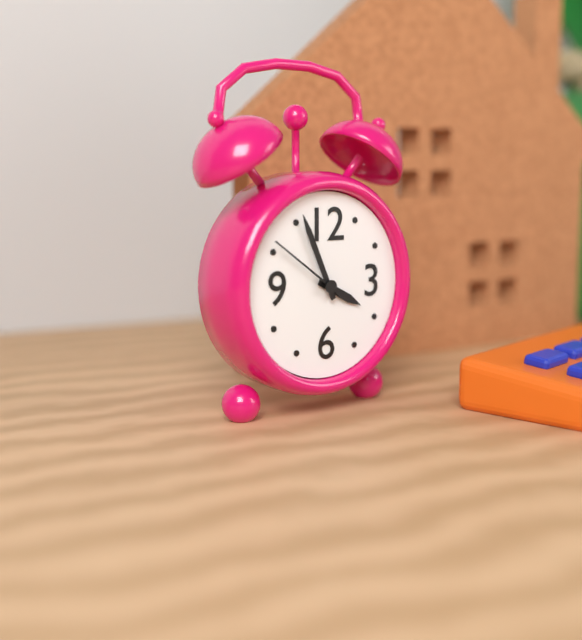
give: {"hour": 3, "minute": 56, "second": 51}
